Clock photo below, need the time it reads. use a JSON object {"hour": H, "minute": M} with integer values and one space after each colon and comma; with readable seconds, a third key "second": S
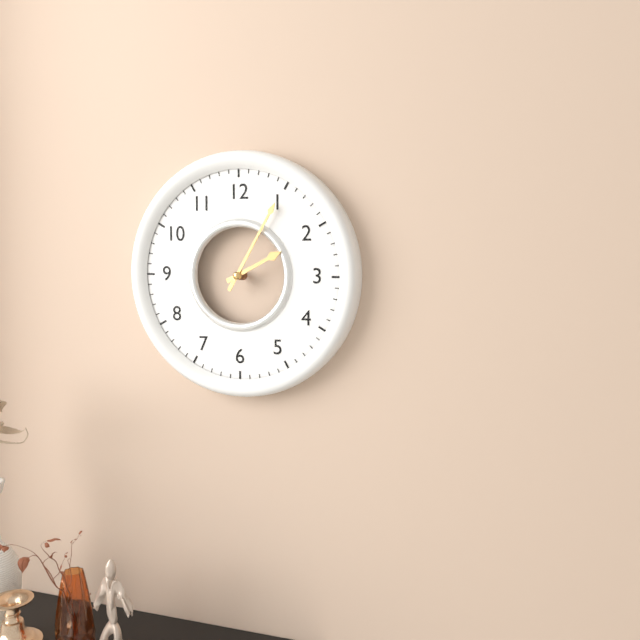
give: {"hour": 2, "minute": 5}
